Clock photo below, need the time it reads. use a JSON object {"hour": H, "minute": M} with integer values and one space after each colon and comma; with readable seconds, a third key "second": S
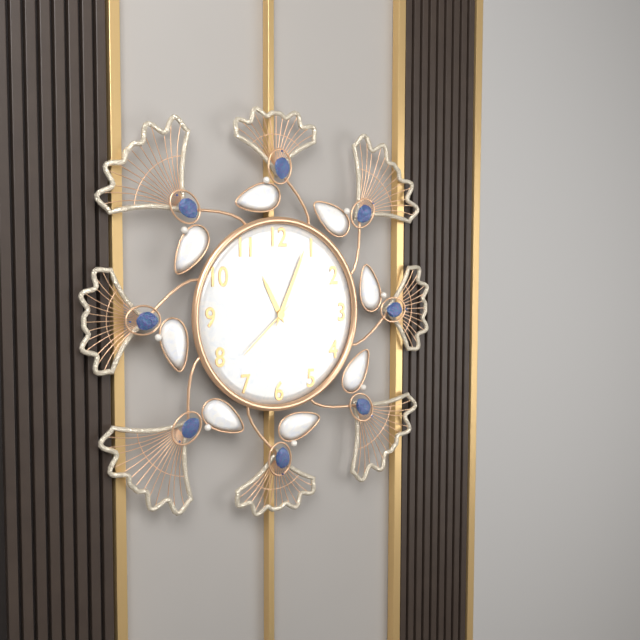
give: {"hour": 11, "minute": 4, "second": 38}
